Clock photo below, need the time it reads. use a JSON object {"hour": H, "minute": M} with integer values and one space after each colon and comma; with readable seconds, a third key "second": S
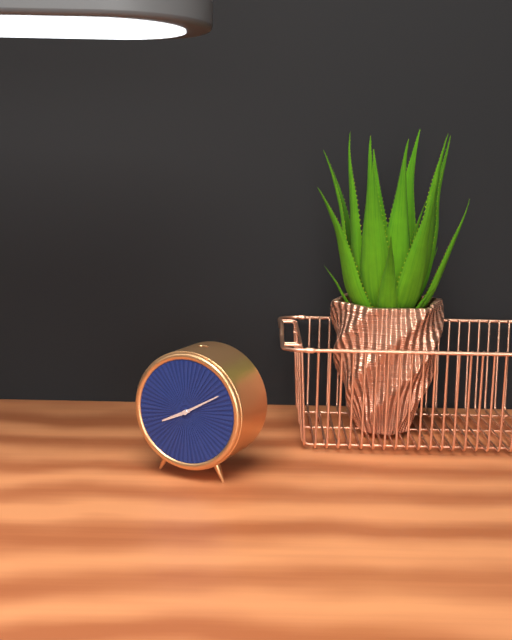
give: {"hour": 8, "minute": 10}
